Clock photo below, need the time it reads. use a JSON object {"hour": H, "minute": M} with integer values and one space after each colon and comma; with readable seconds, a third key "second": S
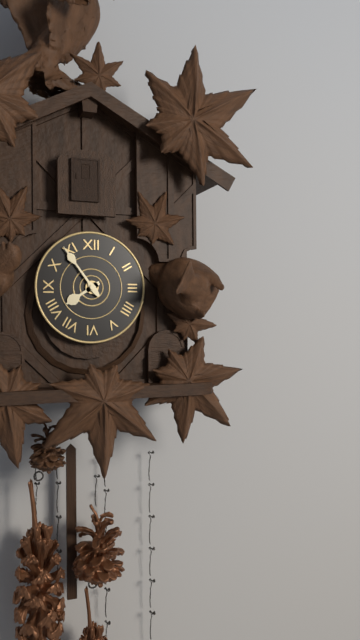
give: {"hour": 7, "minute": 54}
